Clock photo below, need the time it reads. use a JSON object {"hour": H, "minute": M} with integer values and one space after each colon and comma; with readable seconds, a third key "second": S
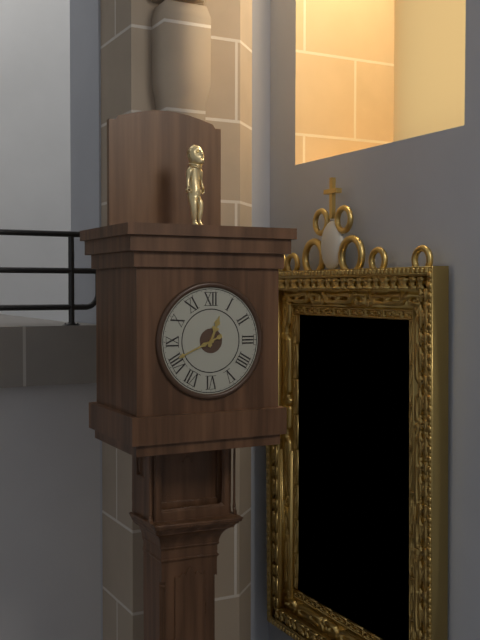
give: {"hour": 12, "minute": 41}
